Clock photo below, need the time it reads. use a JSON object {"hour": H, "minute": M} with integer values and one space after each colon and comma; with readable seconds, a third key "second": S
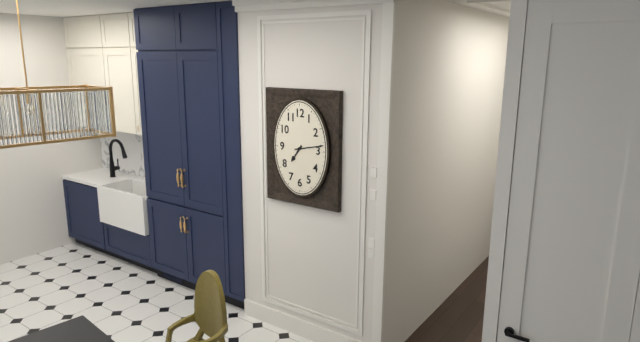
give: {"hour": 7, "minute": 13}
